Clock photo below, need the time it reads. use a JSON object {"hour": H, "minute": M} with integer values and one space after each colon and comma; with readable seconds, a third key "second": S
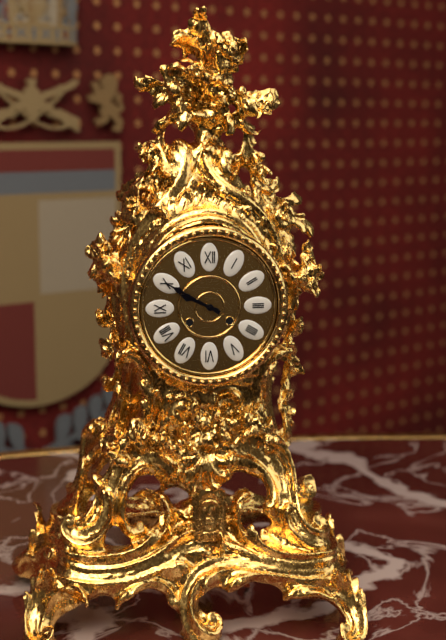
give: {"hour": 9, "minute": 50}
